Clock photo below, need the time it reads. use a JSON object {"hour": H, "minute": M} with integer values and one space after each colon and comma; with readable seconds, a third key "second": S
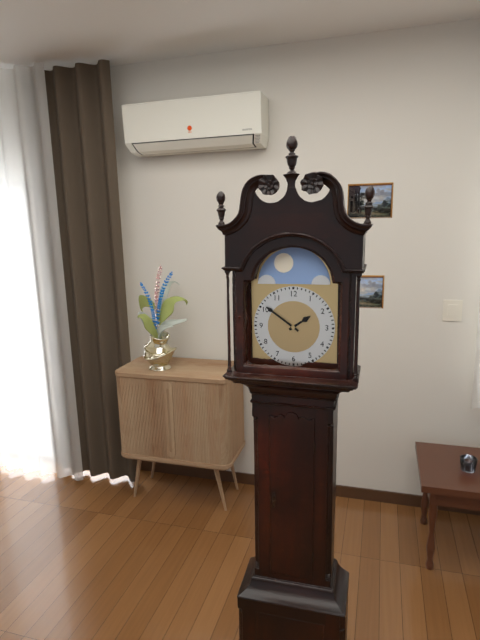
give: {"hour": 1, "minute": 51}
